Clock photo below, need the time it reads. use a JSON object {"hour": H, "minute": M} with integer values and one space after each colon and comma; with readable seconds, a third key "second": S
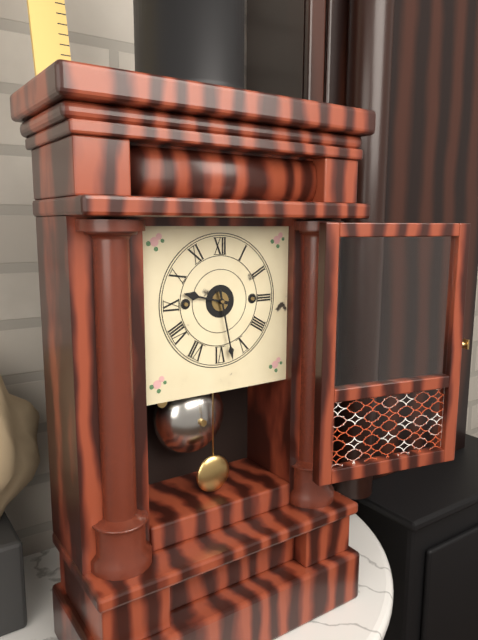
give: {"hour": 9, "minute": 28}
